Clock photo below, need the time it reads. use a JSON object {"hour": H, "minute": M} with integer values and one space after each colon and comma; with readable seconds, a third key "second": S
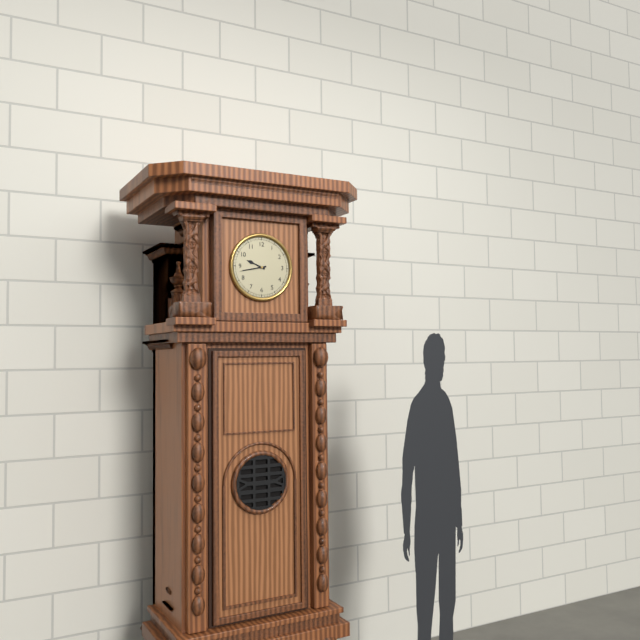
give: {"hour": 9, "minute": 43}
